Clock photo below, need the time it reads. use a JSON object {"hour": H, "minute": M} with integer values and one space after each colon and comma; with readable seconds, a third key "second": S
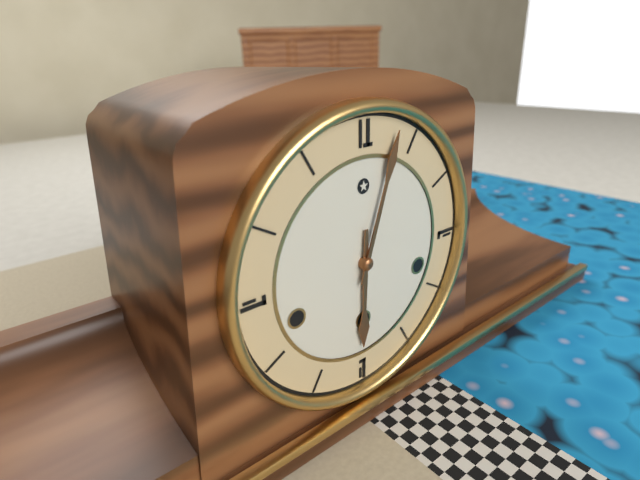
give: {"hour": 6, "minute": 3}
